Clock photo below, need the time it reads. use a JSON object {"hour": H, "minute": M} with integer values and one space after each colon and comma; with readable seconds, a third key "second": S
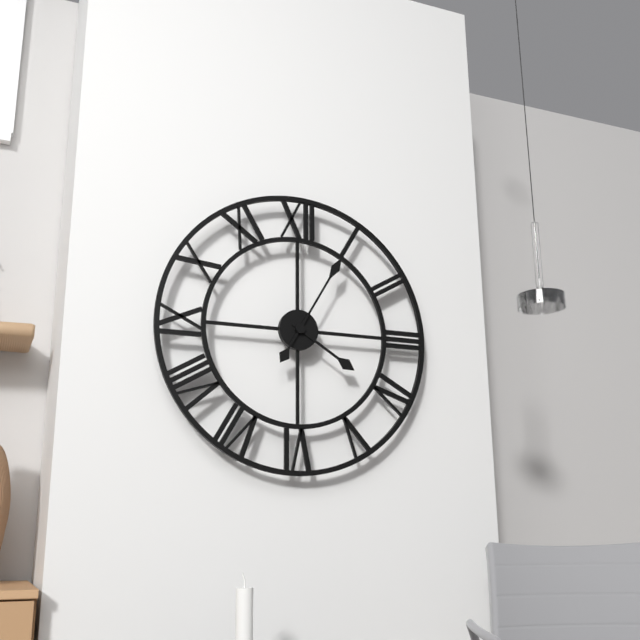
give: {"hour": 4, "minute": 5}
